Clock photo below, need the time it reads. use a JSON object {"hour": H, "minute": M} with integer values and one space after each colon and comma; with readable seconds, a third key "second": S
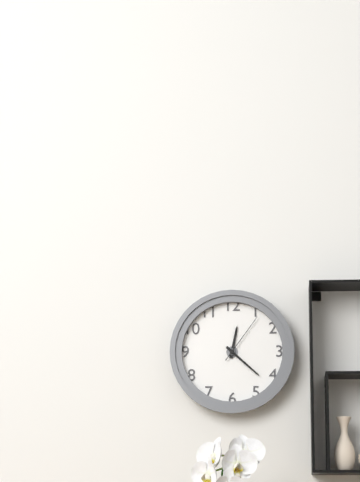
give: {"hour": 12, "minute": 22, "second": 6}
